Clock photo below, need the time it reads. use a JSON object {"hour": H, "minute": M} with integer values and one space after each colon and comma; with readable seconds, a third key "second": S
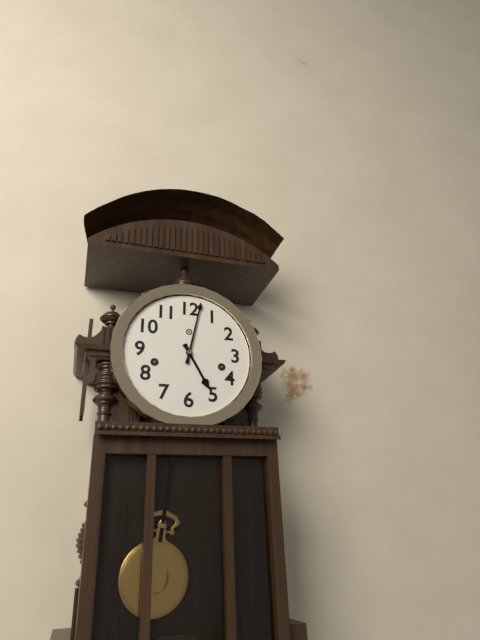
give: {"hour": 5, "minute": 2}
